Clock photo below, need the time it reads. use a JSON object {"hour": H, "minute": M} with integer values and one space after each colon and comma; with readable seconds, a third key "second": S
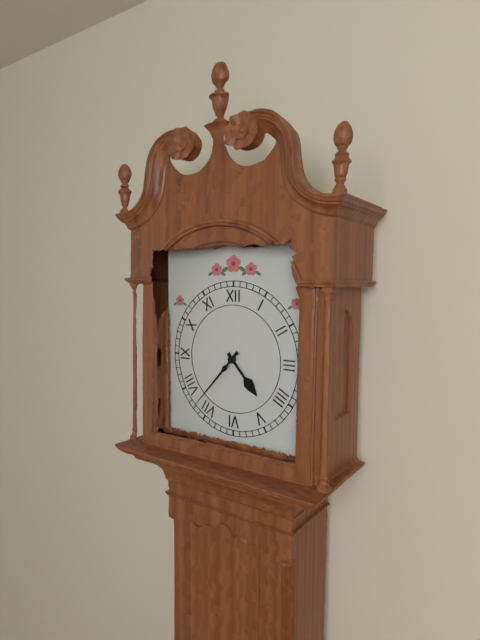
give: {"hour": 4, "minute": 37}
